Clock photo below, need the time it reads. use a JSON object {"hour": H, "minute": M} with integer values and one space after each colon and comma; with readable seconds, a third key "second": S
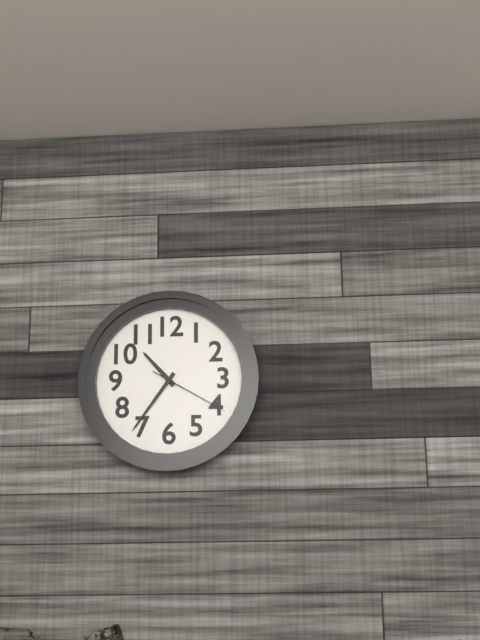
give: {"hour": 10, "minute": 36, "second": 20}
